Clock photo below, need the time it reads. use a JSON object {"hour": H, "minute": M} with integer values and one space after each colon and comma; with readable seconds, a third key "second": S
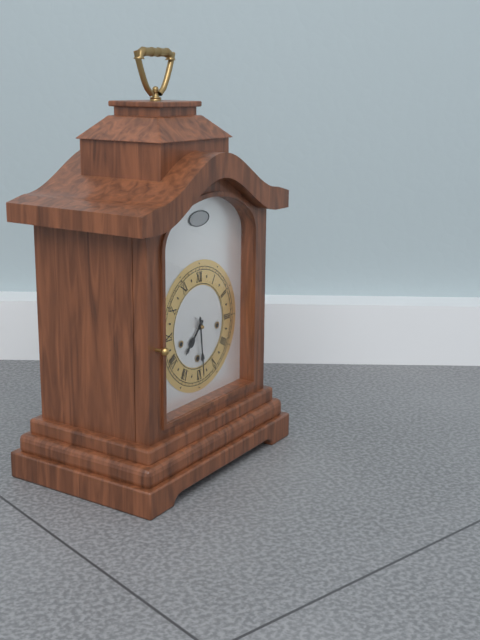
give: {"hour": 7, "minute": 29}
